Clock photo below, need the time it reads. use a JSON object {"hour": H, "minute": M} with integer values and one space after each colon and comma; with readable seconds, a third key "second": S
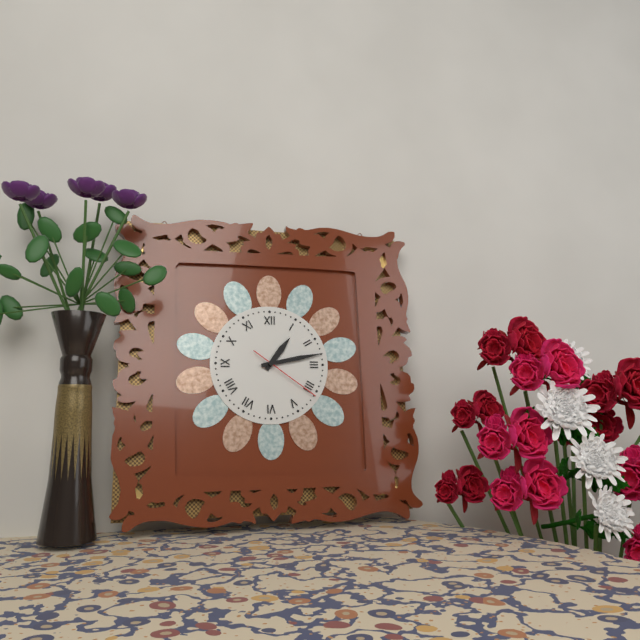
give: {"hour": 1, "minute": 13, "second": 21}
